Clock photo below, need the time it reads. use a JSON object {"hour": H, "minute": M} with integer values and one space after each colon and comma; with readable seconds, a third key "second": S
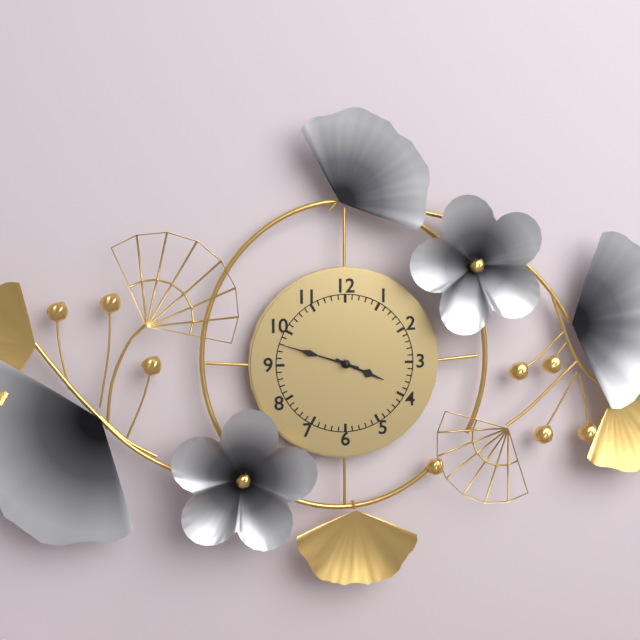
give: {"hour": 3, "minute": 48}
